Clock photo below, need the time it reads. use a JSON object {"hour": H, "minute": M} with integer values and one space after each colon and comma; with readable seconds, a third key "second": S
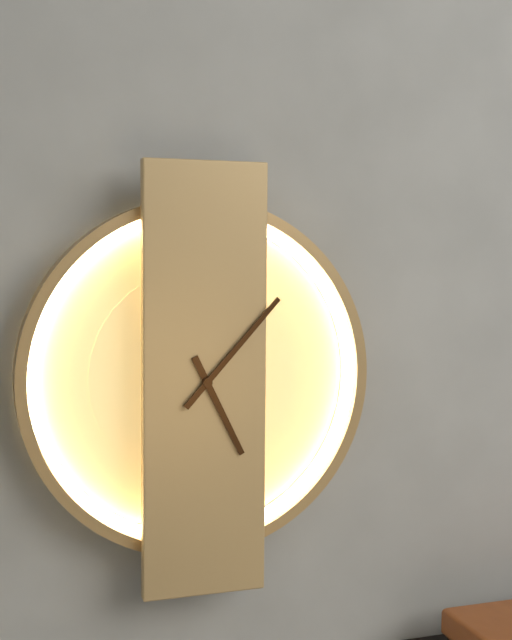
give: {"hour": 5, "minute": 7}
